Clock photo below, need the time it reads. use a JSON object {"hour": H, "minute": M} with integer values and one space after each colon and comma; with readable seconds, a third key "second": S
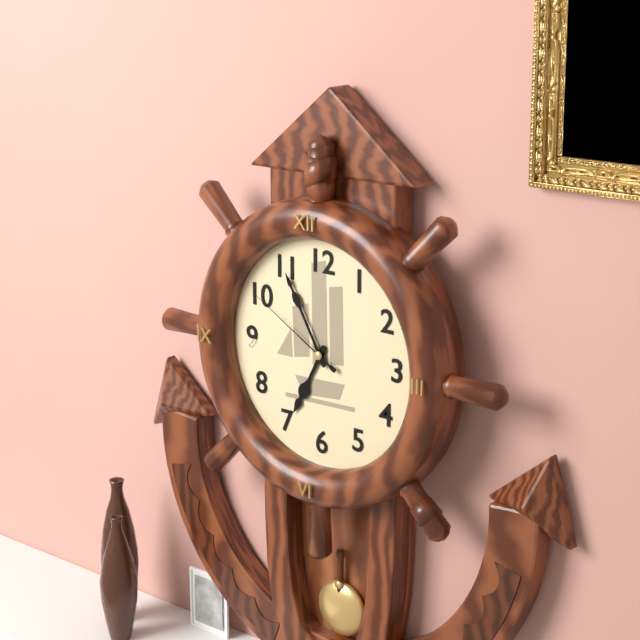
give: {"hour": 6, "minute": 55, "second": 50}
